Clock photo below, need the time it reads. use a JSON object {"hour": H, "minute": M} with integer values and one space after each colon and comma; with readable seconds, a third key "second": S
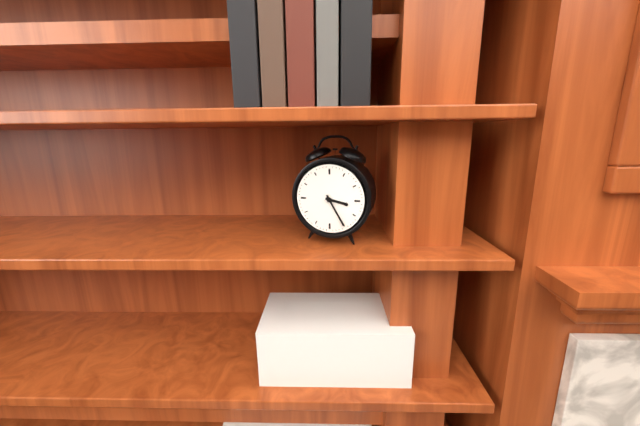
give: {"hour": 3, "minute": 25}
